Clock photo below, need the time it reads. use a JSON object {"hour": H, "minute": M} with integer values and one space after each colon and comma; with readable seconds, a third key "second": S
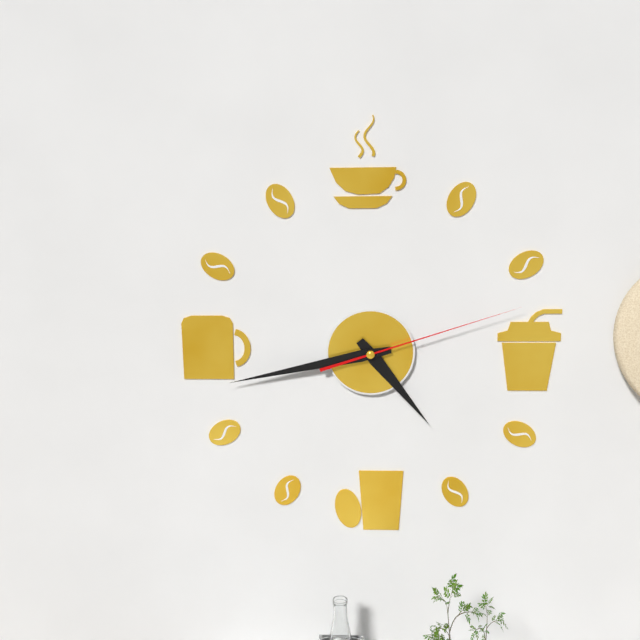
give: {"hour": 4, "minute": 43, "second": 12}
